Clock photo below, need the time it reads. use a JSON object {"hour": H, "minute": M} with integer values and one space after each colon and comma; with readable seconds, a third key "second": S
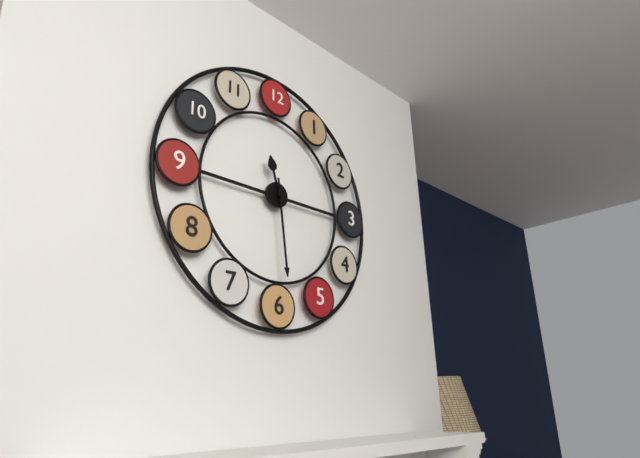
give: {"hour": 11, "minute": 29}
